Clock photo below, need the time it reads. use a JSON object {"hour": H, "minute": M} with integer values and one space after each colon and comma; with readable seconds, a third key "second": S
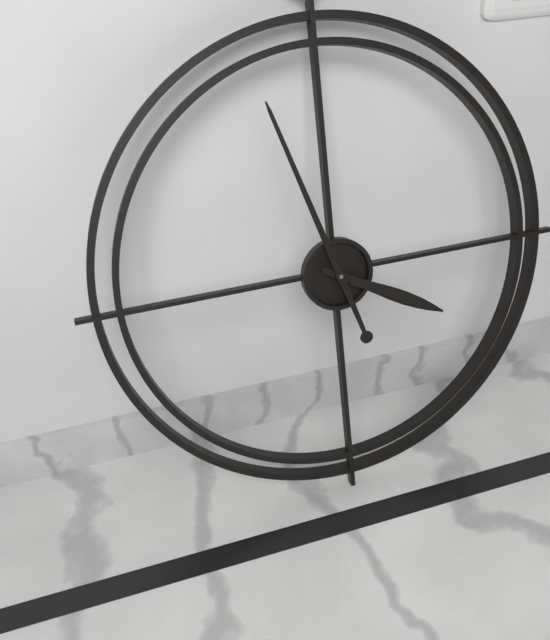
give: {"hour": 3, "minute": 57}
